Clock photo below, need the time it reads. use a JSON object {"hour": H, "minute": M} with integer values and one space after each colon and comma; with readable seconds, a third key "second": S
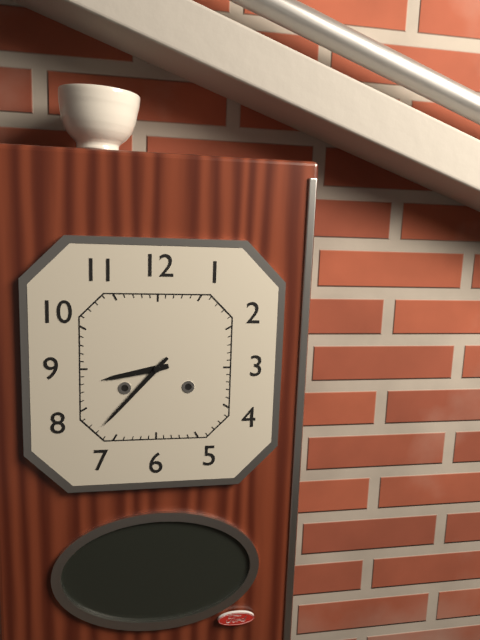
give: {"hour": 8, "minute": 37}
